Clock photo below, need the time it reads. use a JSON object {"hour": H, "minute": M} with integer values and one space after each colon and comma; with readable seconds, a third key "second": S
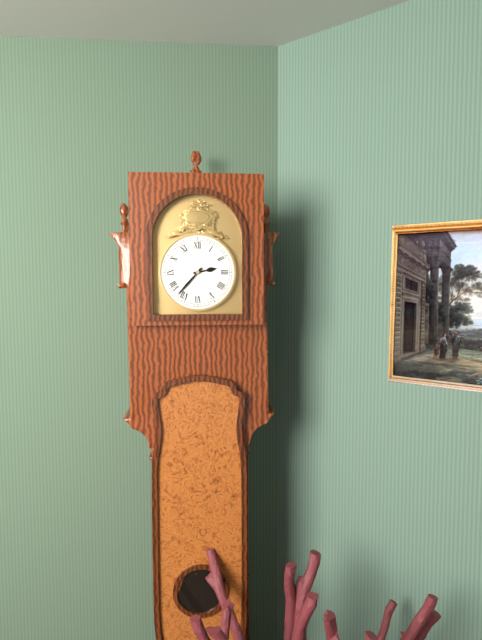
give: {"hour": 2, "minute": 37}
